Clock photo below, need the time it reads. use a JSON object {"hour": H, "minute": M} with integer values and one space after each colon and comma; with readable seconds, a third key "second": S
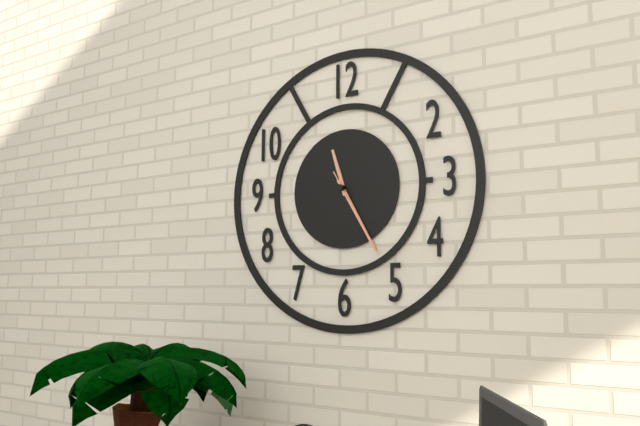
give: {"hour": 11, "minute": 25, "second": 25}
